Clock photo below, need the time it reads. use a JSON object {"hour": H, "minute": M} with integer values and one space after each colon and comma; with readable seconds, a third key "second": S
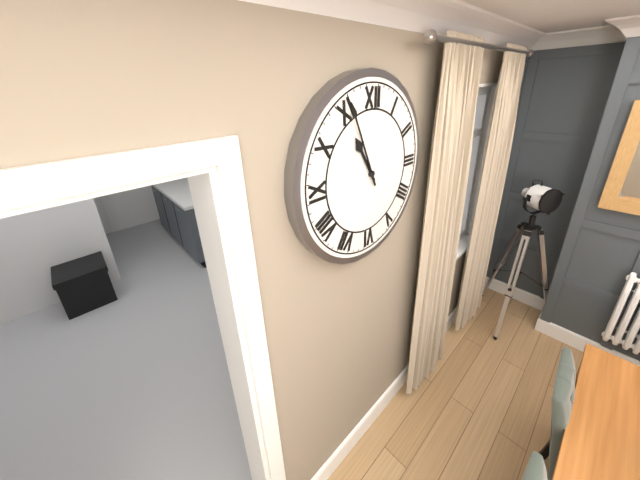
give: {"hour": 10, "minute": 56}
